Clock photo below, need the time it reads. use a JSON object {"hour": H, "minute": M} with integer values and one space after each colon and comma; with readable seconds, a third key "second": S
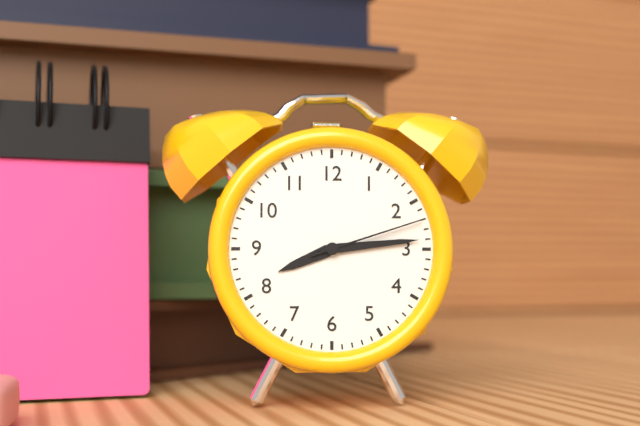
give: {"hour": 8, "minute": 14, "second": 12}
